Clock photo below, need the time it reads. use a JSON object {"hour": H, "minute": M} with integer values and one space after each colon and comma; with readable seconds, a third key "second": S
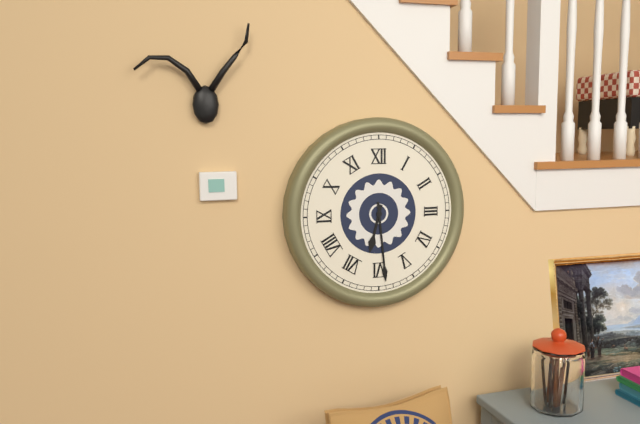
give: {"hour": 6, "minute": 29}
